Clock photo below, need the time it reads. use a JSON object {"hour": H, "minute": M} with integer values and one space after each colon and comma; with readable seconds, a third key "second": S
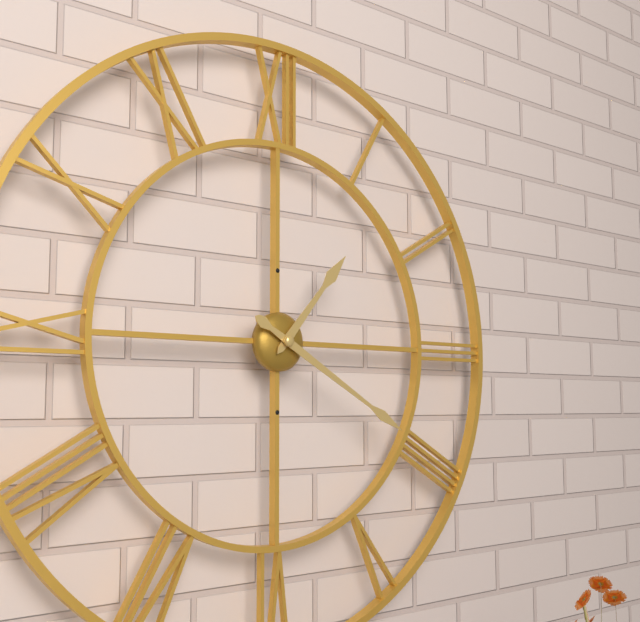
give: {"hour": 1, "minute": 20}
